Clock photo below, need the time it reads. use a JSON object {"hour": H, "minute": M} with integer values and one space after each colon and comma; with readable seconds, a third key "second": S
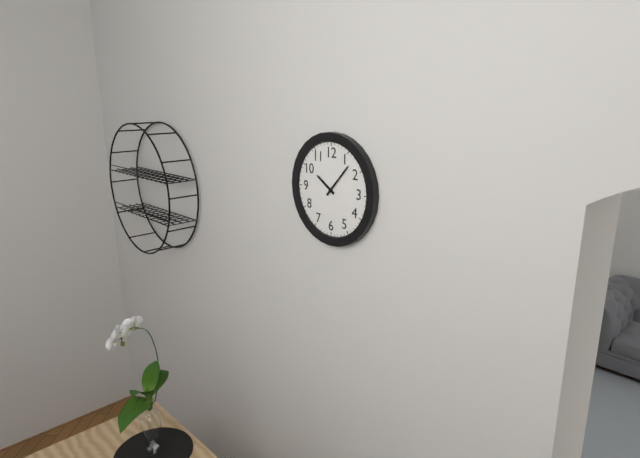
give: {"hour": 10, "minute": 7}
